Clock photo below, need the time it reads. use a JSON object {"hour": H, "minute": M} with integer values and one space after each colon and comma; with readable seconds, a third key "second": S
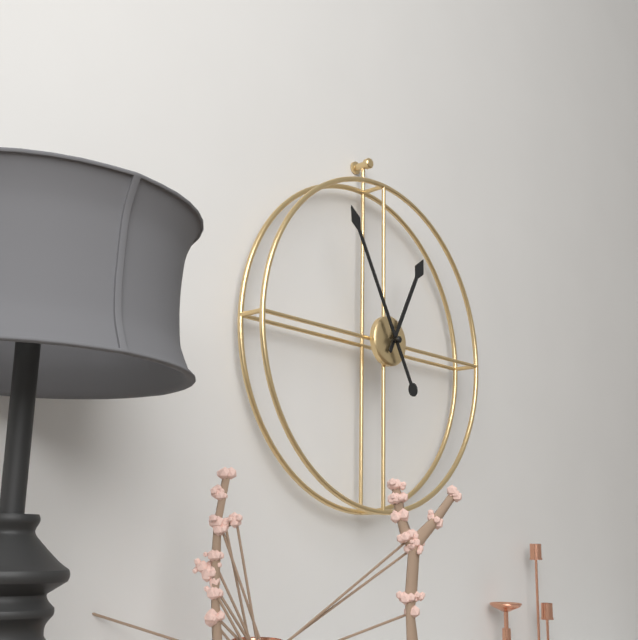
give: {"hour": 12, "minute": 55}
